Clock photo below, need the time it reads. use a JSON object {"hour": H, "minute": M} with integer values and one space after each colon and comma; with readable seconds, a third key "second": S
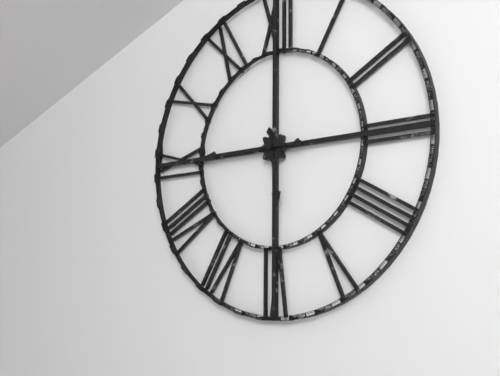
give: {"hour": 5, "minute": 45}
